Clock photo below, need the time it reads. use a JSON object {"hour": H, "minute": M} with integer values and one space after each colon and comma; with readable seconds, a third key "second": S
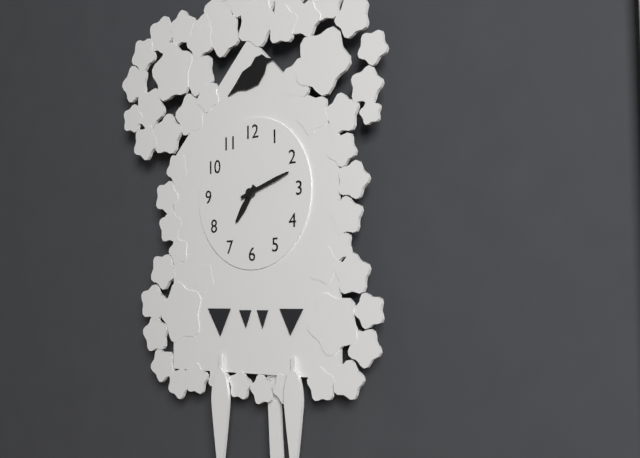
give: {"hour": 7, "minute": 12}
